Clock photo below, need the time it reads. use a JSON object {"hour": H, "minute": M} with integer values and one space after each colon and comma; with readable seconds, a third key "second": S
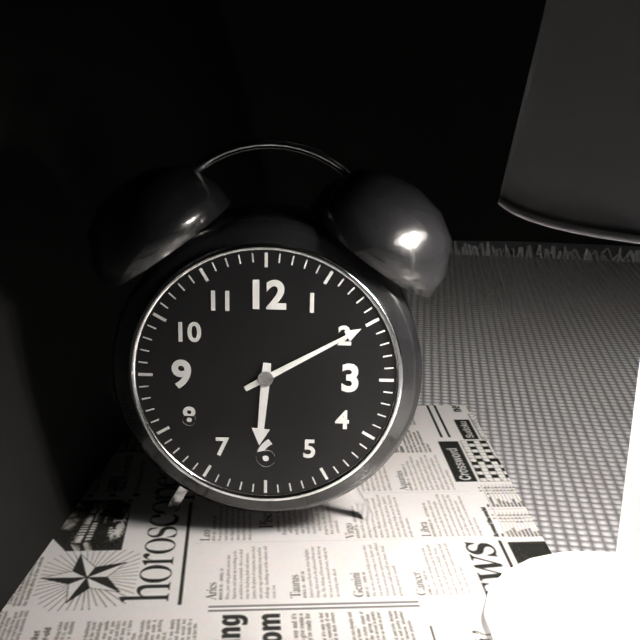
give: {"hour": 6, "minute": 10}
